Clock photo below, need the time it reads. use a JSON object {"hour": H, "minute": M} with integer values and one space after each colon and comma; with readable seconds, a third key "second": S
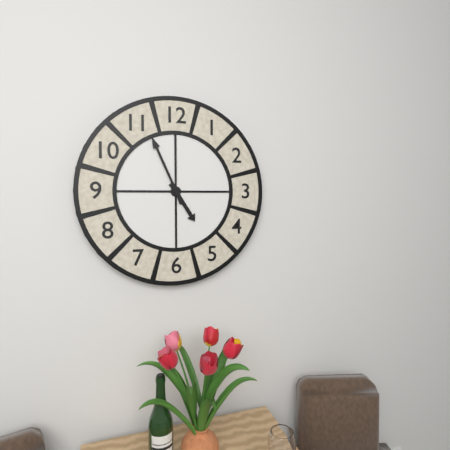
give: {"hour": 4, "minute": 56}
